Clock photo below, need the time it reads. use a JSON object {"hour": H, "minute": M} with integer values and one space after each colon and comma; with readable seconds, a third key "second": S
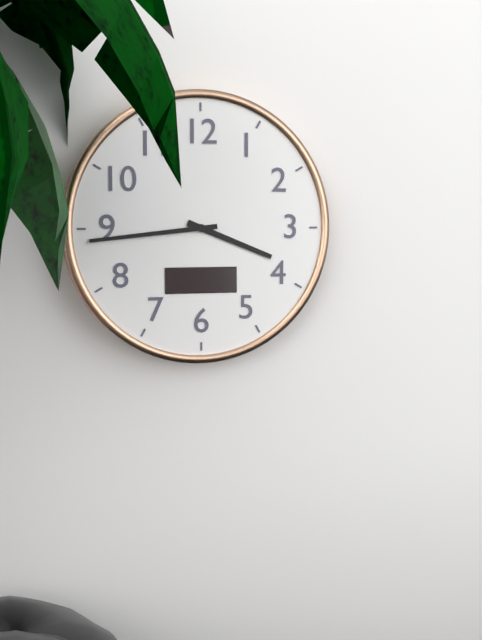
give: {"hour": 3, "minute": 44}
